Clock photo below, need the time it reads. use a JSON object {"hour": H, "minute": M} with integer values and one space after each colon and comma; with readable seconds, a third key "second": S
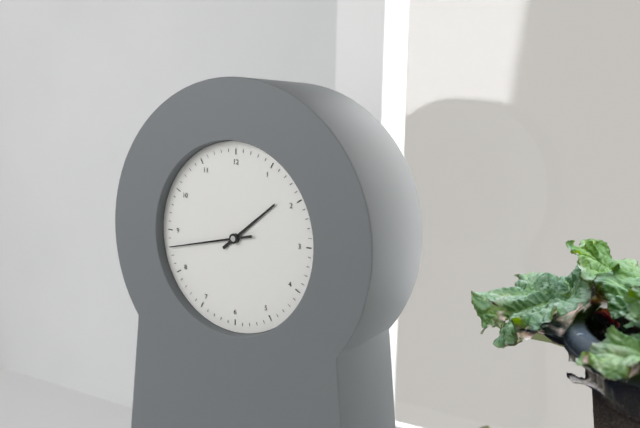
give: {"hour": 1, "minute": 43}
